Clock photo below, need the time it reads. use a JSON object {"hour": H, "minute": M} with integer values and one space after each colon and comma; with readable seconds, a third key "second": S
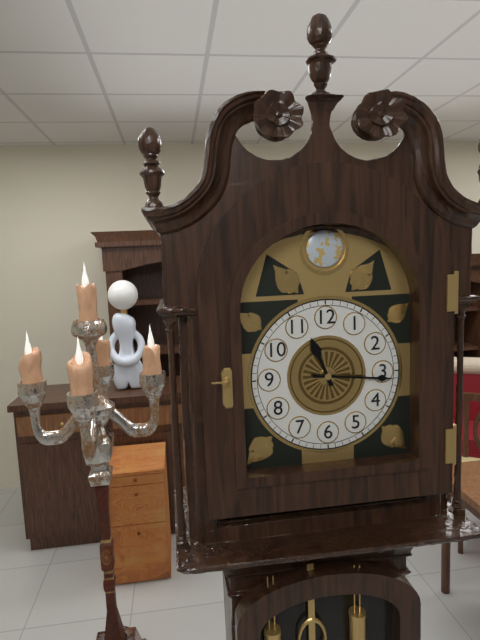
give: {"hour": 11, "minute": 16}
